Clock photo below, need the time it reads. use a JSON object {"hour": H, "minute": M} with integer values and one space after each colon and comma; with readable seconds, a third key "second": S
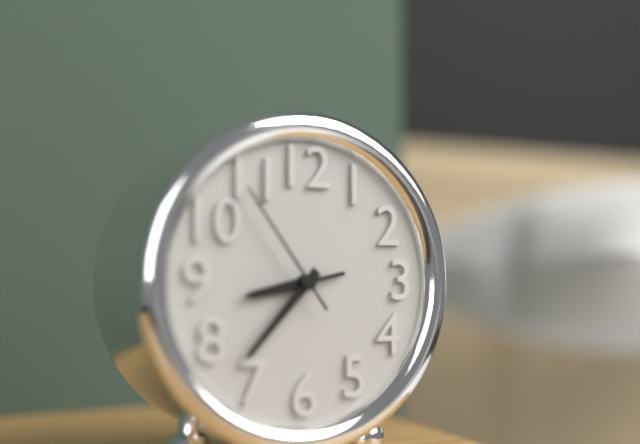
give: {"hour": 8, "minute": 37, "second": 54}
